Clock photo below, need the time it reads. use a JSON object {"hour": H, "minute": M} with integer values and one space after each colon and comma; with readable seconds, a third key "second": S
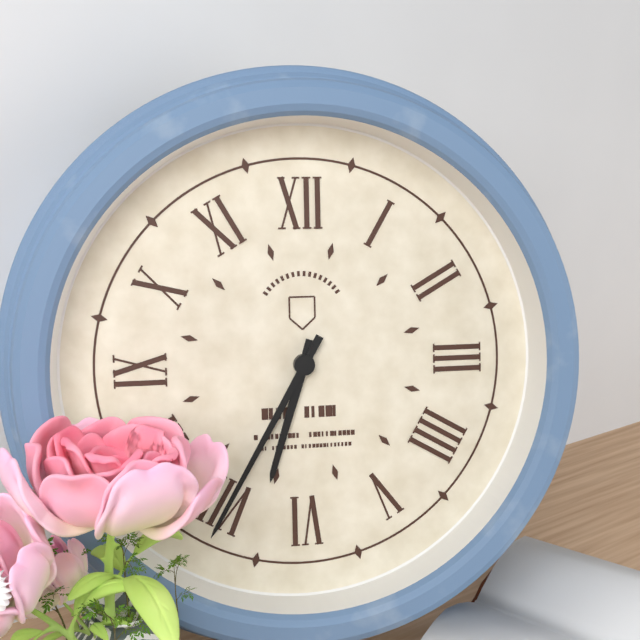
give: {"hour": 6, "minute": 35}
